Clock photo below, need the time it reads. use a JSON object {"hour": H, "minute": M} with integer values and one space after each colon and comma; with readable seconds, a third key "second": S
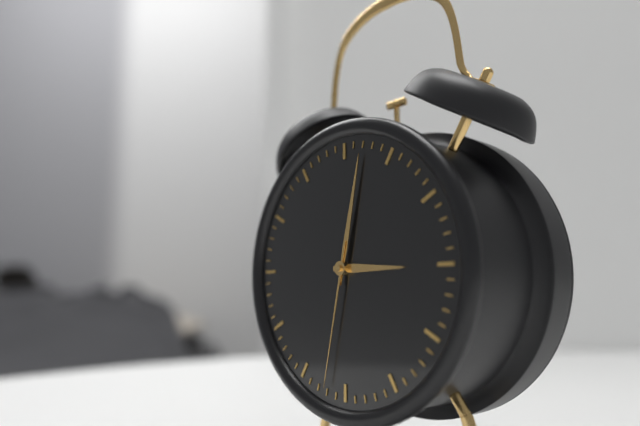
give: {"hour": 3, "minute": 2, "second": 32}
